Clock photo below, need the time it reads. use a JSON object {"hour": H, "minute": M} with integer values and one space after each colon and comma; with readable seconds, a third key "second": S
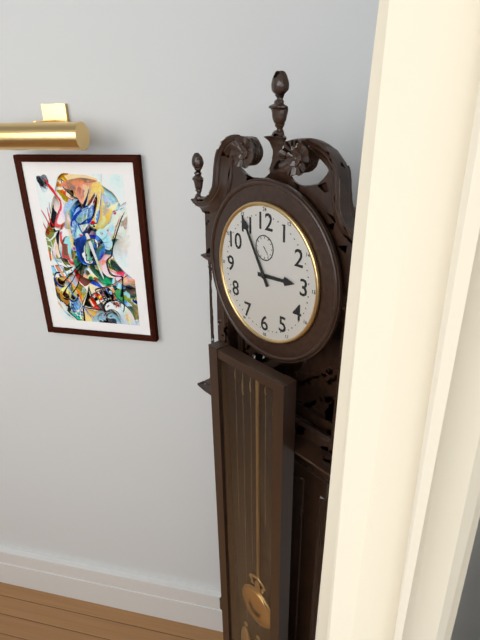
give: {"hour": 2, "minute": 55}
